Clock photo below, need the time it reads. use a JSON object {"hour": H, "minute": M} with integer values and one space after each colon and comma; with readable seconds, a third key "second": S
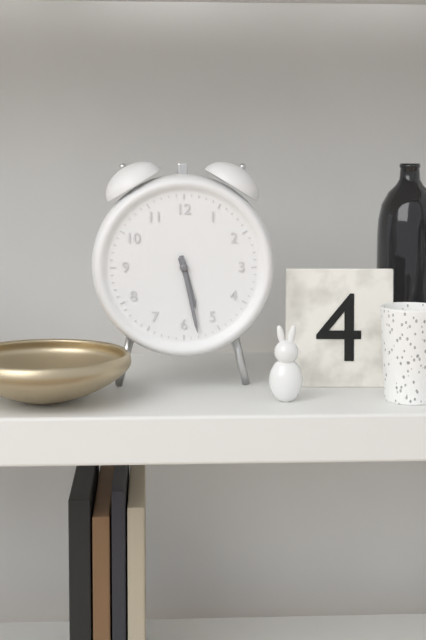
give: {"hour": 5, "minute": 28}
